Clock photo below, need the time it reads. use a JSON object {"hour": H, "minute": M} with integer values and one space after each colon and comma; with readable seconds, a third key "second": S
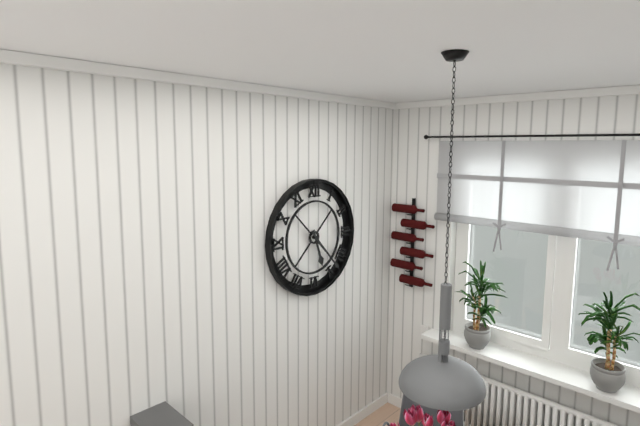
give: {"hour": 5, "minute": 23}
